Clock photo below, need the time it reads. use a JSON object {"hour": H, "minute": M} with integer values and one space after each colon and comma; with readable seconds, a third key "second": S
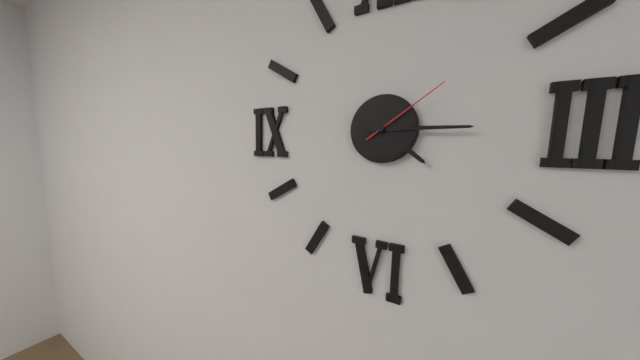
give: {"hour": 4, "minute": 15, "second": 9}
